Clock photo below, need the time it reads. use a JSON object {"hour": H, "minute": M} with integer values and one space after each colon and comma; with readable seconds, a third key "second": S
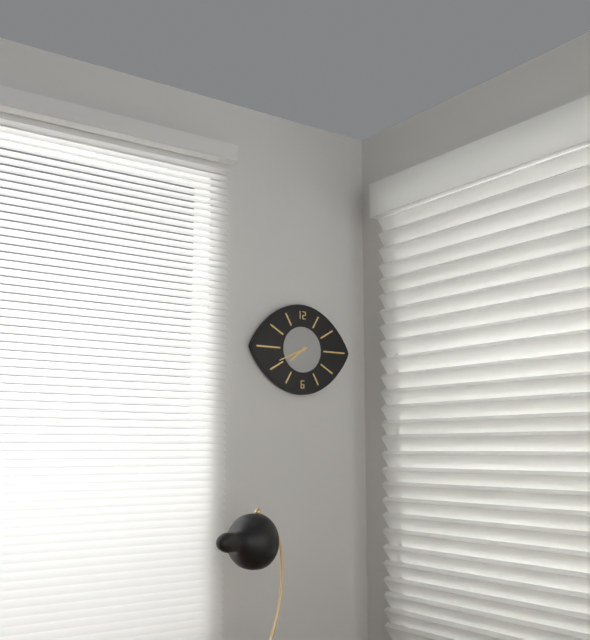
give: {"hour": 7, "minute": 41}
